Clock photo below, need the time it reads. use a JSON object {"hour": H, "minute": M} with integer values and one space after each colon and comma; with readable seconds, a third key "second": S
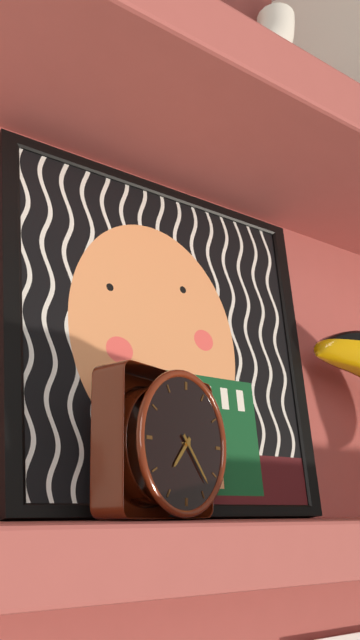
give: {"hour": 7, "minute": 23}
